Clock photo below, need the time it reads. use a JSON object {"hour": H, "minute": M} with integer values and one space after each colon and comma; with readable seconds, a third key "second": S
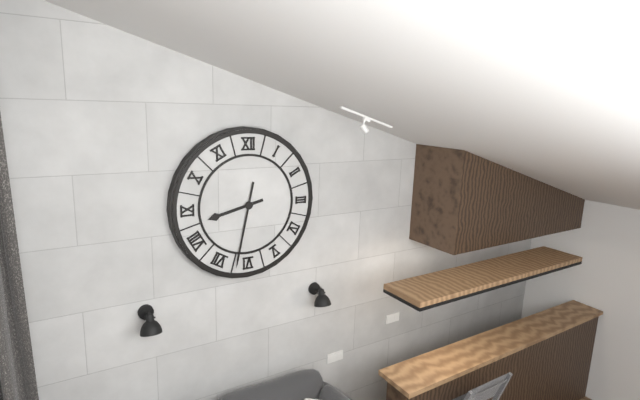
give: {"hour": 8, "minute": 32}
